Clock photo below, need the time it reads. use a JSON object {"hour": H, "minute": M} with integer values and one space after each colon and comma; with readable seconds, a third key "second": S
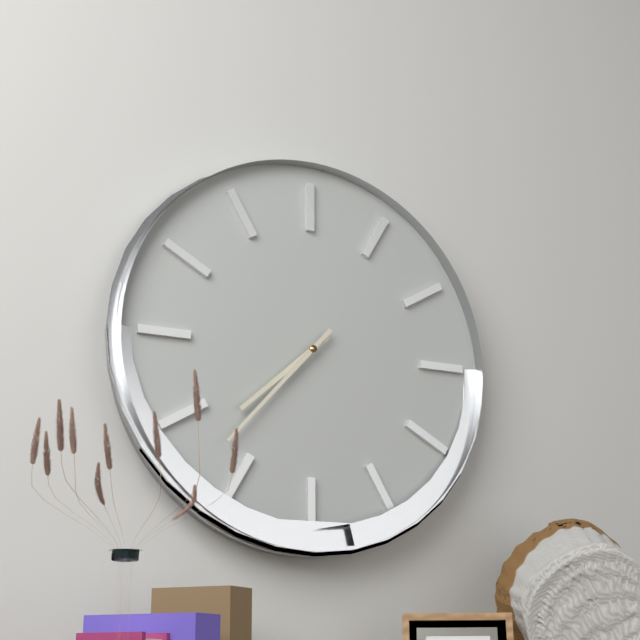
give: {"hour": 7, "minute": 37}
